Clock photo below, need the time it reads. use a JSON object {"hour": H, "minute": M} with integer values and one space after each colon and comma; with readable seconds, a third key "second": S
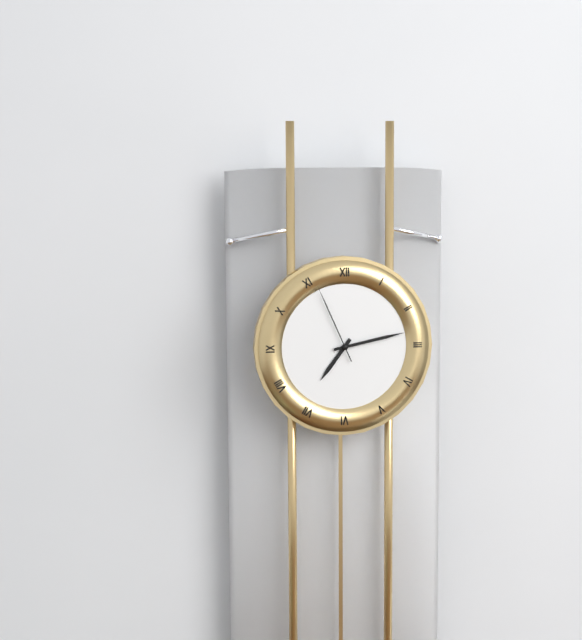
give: {"hour": 7, "minute": 13, "second": 56}
